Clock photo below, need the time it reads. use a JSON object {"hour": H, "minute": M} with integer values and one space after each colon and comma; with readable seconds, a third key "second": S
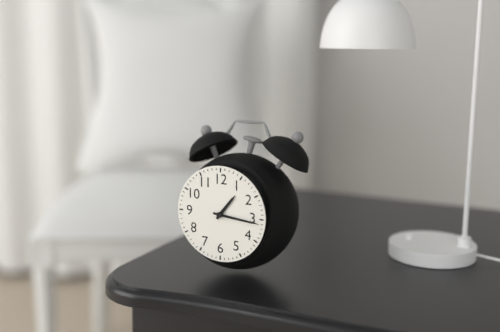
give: {"hour": 1, "minute": 16}
